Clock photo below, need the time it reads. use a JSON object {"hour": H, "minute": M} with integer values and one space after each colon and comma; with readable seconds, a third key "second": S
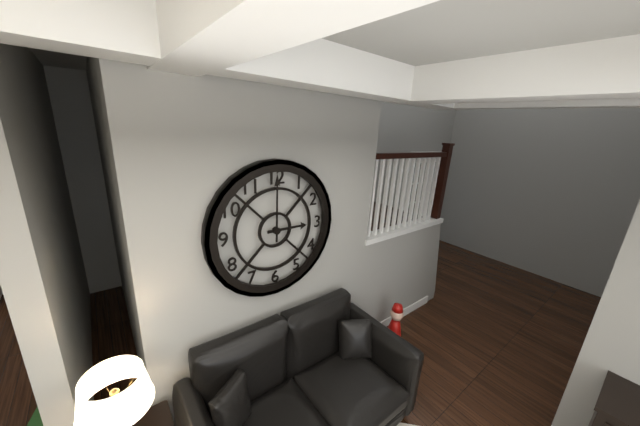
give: {"hour": 3, "minute": 0}
